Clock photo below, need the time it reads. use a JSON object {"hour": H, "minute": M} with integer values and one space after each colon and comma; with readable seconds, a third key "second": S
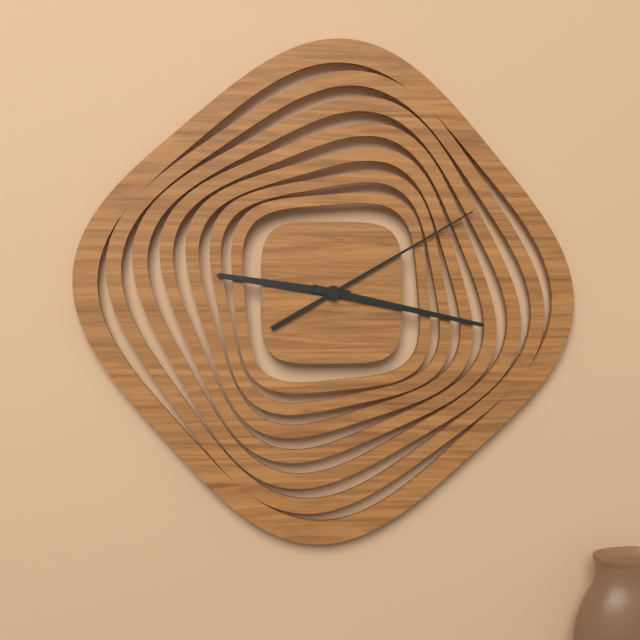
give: {"hour": 9, "minute": 17, "second": 10}
